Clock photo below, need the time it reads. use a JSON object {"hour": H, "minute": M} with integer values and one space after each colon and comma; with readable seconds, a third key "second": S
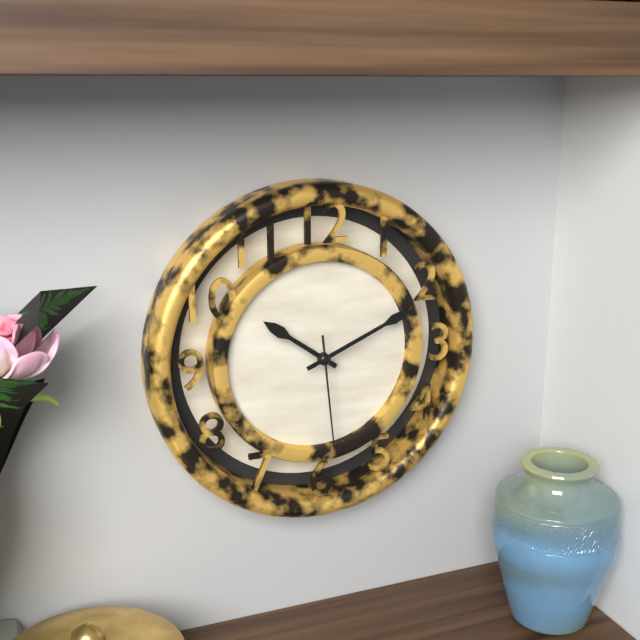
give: {"hour": 10, "minute": 11, "second": 29}
